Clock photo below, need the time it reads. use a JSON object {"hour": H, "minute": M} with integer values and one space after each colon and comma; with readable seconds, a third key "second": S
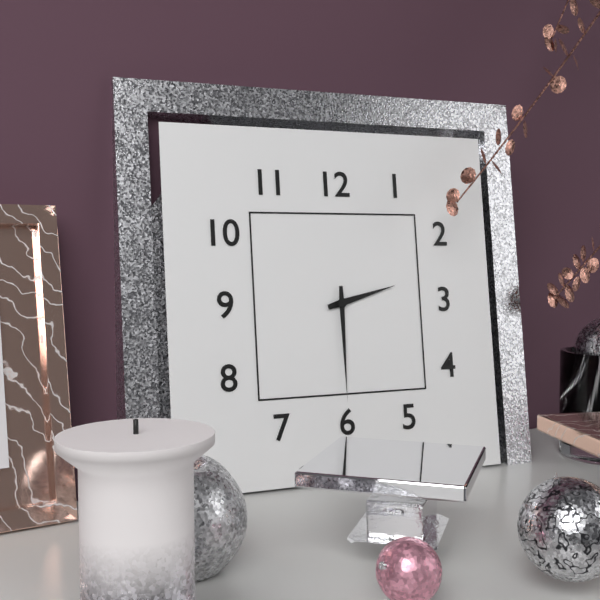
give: {"hour": 2, "minute": 30}
